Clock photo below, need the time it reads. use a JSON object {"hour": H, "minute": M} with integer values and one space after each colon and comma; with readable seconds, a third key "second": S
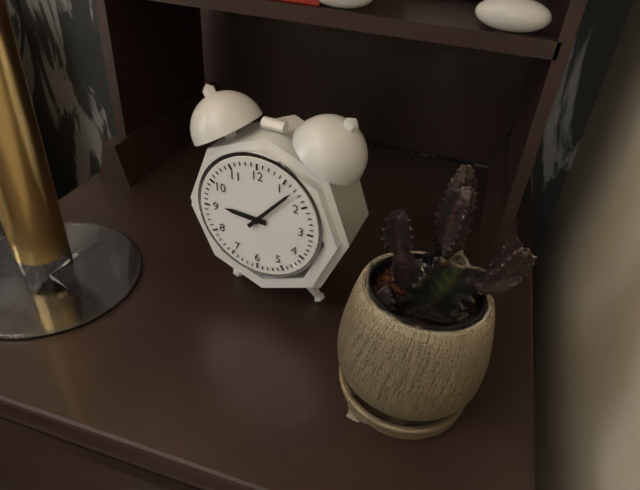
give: {"hour": 9, "minute": 7}
